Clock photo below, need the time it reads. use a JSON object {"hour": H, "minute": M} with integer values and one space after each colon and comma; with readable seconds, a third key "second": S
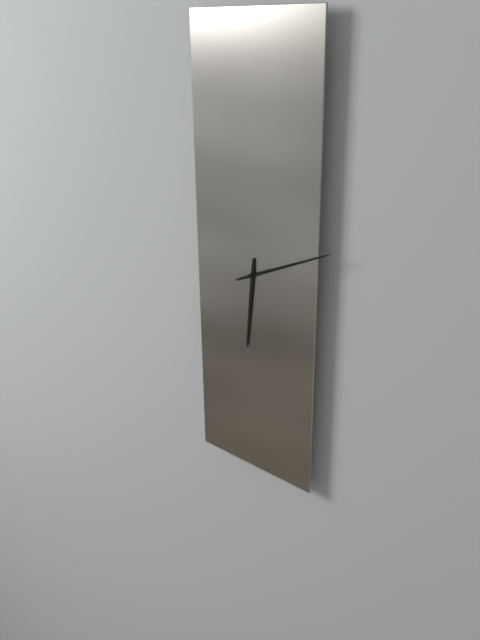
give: {"hour": 6, "minute": 11}
